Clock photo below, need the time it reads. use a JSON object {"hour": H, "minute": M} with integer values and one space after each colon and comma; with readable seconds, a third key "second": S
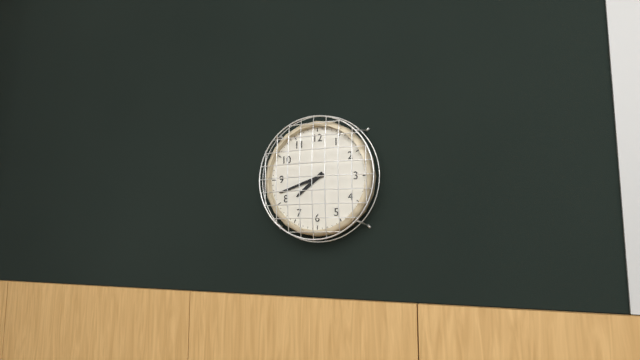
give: {"hour": 7, "minute": 42}
